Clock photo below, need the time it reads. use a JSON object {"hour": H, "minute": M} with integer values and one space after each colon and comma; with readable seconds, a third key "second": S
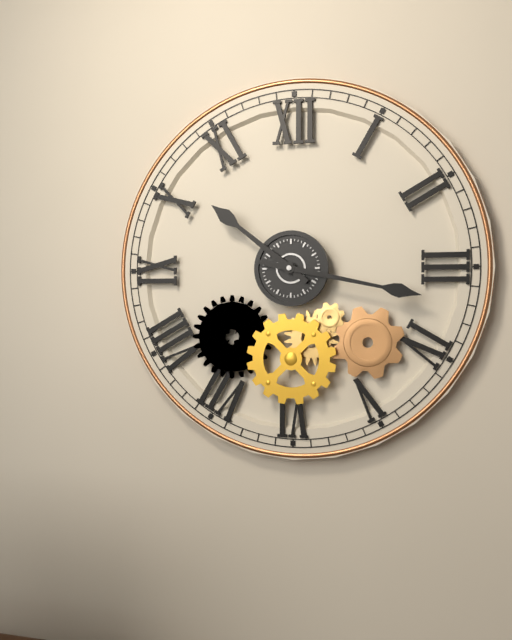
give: {"hour": 10, "minute": 17}
